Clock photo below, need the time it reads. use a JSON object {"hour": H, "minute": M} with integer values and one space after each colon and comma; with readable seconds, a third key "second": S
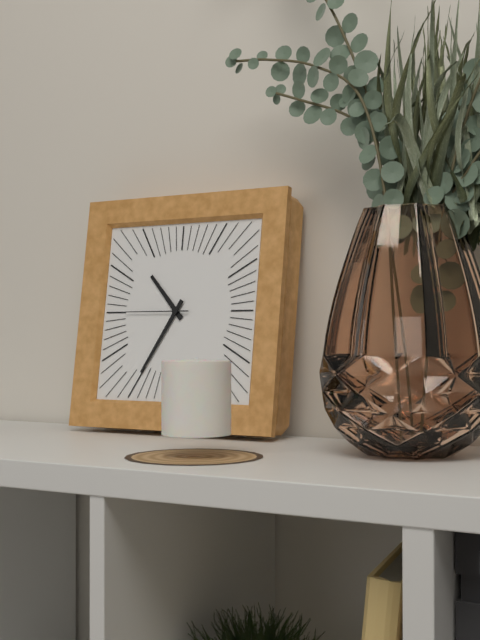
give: {"hour": 10, "minute": 35, "second": 45}
